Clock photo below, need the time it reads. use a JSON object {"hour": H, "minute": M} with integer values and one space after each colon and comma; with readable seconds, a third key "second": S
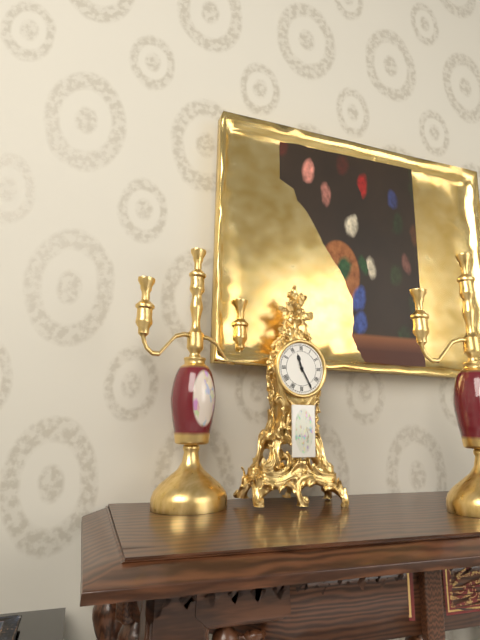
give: {"hour": 11, "minute": 25}
